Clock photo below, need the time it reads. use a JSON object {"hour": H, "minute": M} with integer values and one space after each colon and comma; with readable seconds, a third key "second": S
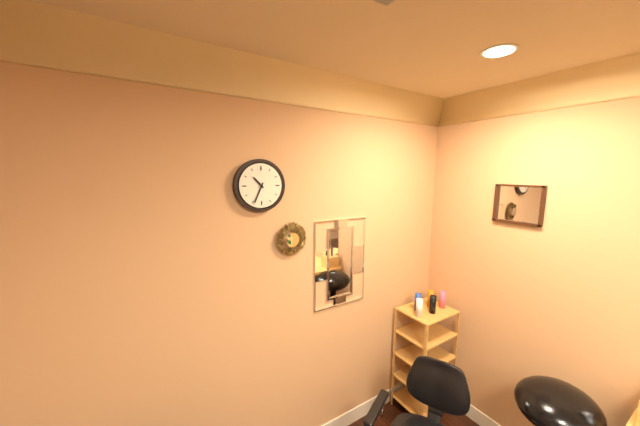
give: {"hour": 10, "minute": 34}
